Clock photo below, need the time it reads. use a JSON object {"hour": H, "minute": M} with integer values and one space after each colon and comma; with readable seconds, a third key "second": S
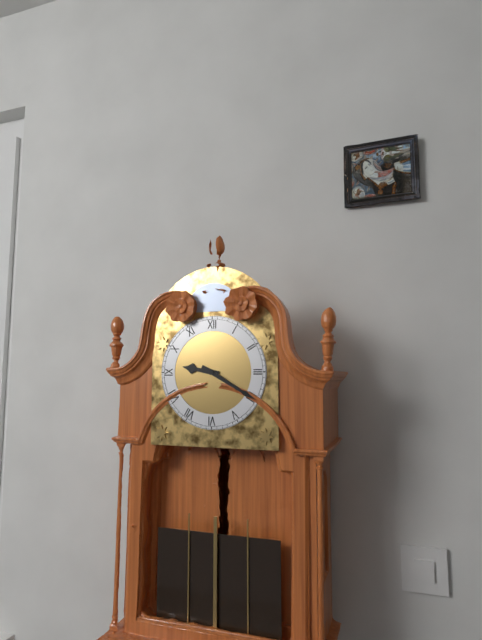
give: {"hour": 9, "minute": 20}
